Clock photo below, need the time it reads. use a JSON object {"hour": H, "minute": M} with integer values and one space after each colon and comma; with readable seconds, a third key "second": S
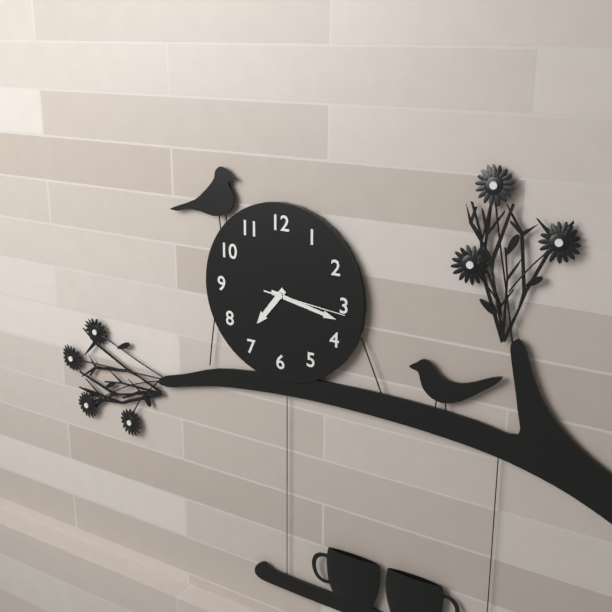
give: {"hour": 7, "minute": 17, "second": 16}
